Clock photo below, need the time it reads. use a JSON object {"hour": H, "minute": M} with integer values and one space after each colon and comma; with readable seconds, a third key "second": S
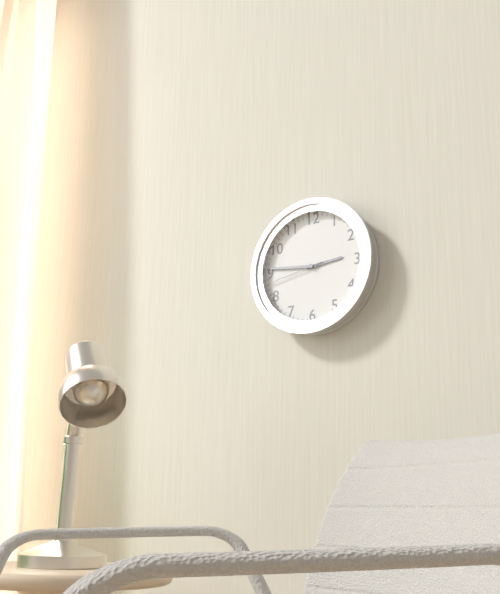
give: {"hour": 2, "minute": 46, "second": 43}
